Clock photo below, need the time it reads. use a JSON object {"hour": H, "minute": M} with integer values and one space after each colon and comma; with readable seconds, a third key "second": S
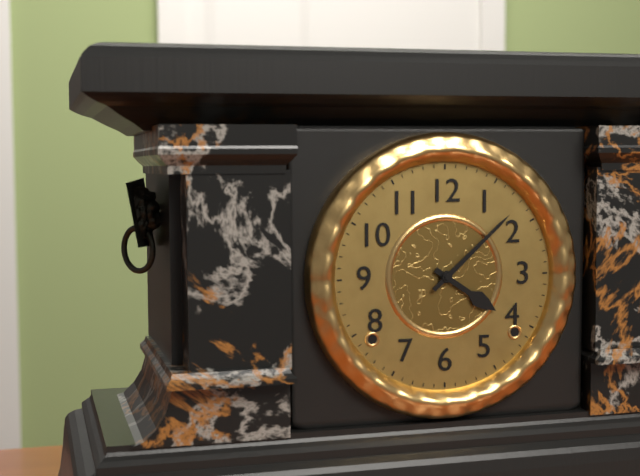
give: {"hour": 4, "minute": 8}
